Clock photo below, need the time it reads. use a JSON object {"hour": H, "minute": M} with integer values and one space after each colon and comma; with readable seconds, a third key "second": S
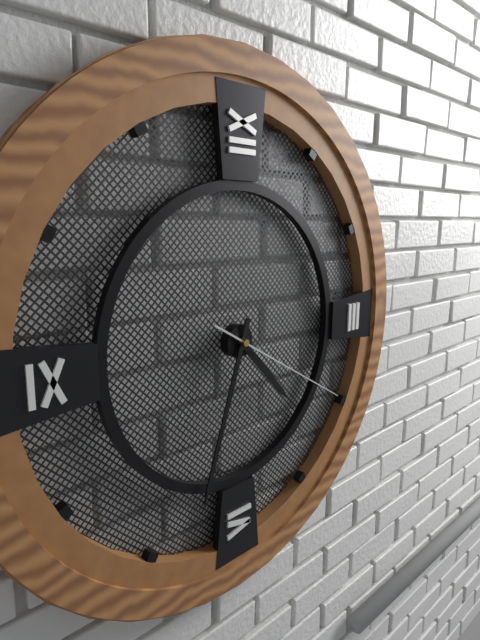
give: {"hour": 4, "minute": 33, "second": 20}
